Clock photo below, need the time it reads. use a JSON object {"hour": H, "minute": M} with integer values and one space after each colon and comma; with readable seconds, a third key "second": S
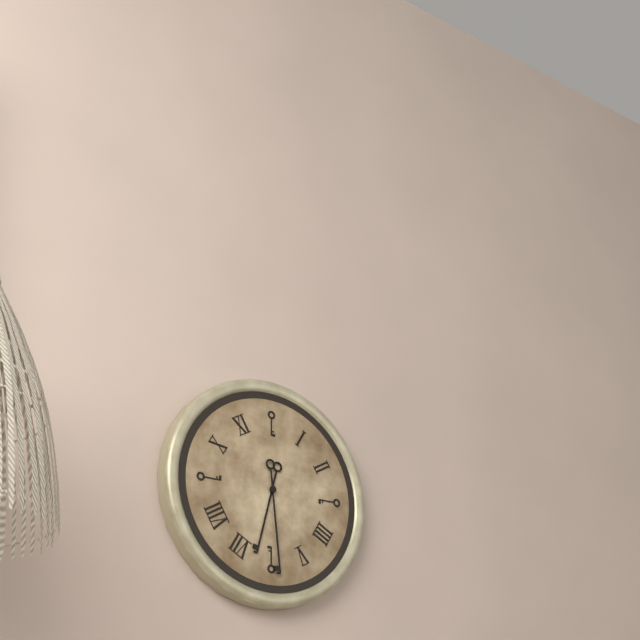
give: {"hour": 6, "minute": 29}
